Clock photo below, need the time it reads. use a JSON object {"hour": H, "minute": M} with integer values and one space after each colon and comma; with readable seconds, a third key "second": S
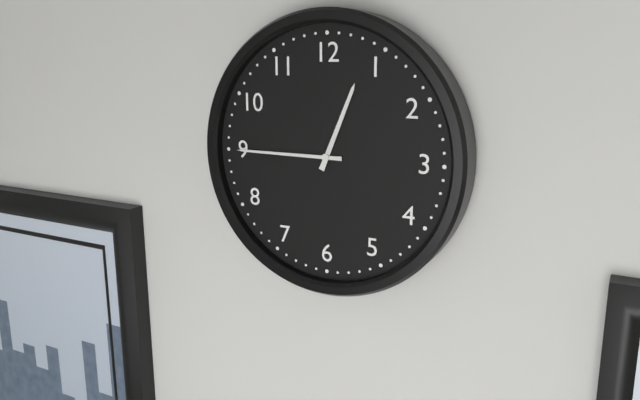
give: {"hour": 12, "minute": 45}
